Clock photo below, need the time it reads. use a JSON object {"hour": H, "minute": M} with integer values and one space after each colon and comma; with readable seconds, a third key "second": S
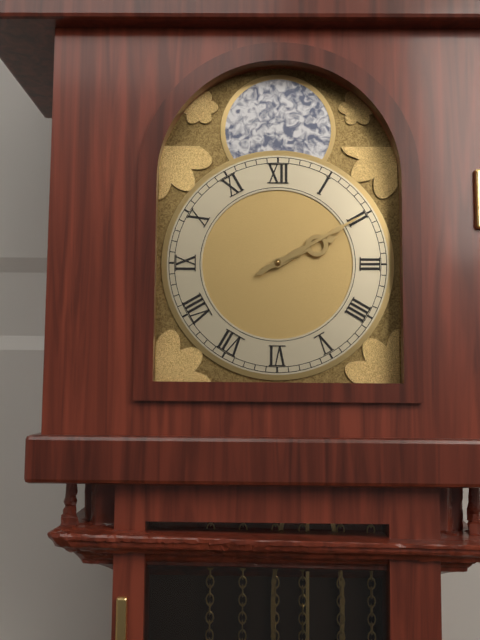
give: {"hour": 2, "minute": 10}
